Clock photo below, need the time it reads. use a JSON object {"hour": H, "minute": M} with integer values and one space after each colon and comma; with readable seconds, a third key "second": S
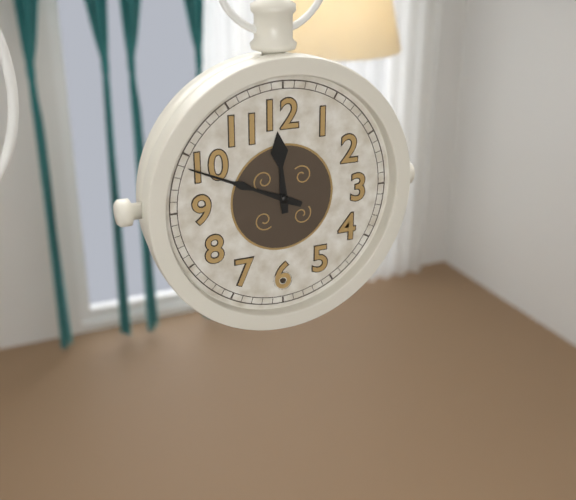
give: {"hour": 11, "minute": 49}
